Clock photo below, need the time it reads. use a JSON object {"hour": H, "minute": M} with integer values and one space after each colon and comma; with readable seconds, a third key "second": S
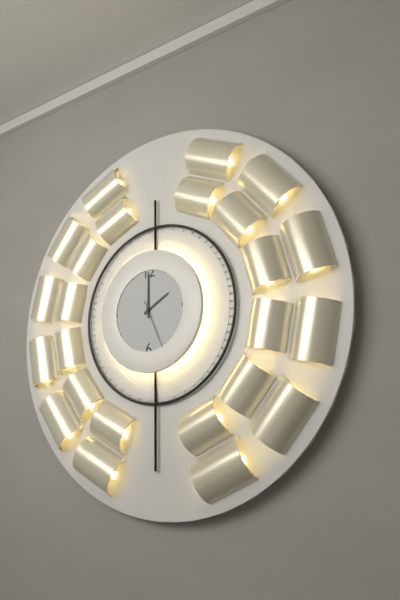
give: {"hour": 2, "minute": 0, "second": 26}
